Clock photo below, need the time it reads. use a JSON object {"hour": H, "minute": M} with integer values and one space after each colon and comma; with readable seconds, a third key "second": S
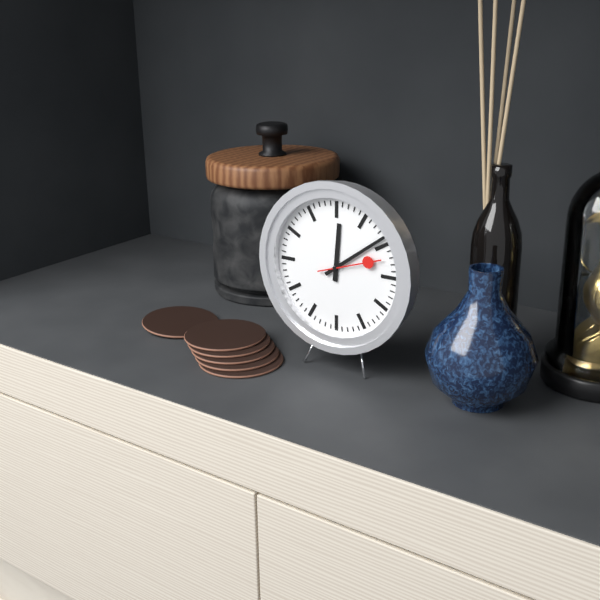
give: {"hour": 12, "minute": 9, "second": 12}
